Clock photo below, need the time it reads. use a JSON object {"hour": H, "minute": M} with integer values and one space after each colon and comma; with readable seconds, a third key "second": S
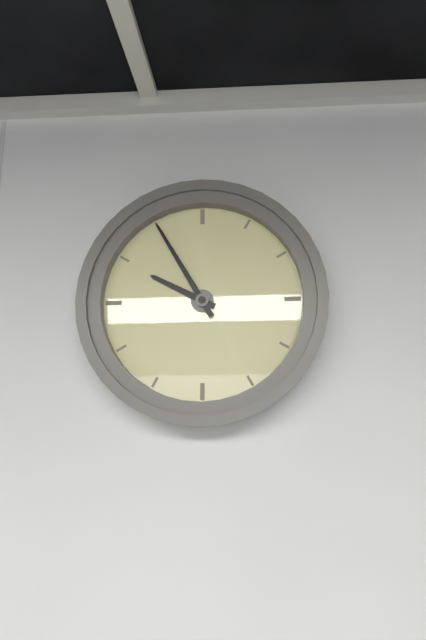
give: {"hour": 9, "minute": 55}
